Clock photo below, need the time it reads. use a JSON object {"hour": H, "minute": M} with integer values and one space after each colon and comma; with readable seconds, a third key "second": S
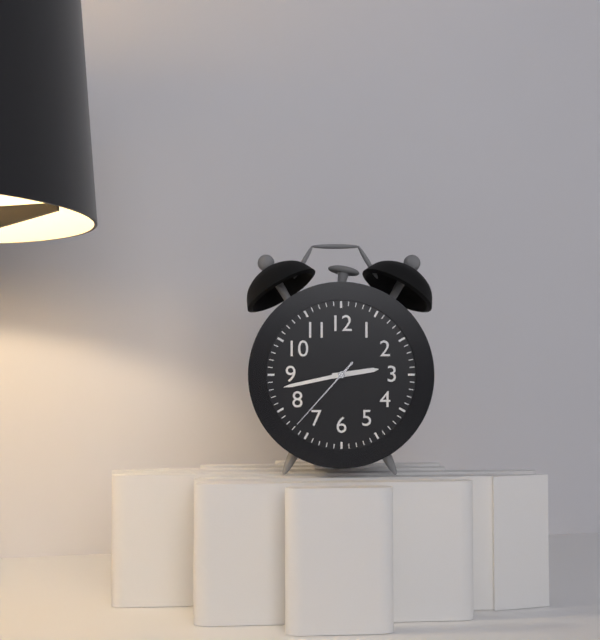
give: {"hour": 2, "minute": 43, "second": 37}
